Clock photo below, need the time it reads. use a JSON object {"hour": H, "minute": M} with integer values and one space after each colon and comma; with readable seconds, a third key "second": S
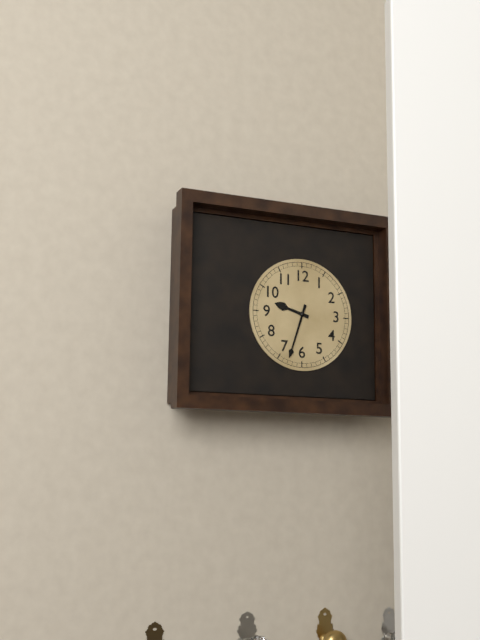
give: {"hour": 9, "minute": 33}
